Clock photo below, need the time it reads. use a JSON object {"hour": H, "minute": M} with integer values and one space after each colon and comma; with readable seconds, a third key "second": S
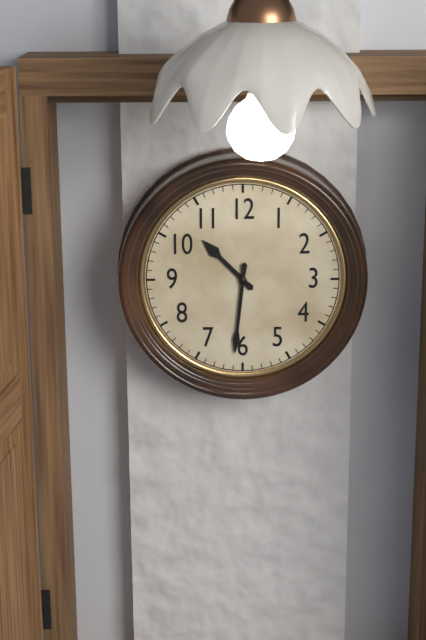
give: {"hour": 10, "minute": 31}
